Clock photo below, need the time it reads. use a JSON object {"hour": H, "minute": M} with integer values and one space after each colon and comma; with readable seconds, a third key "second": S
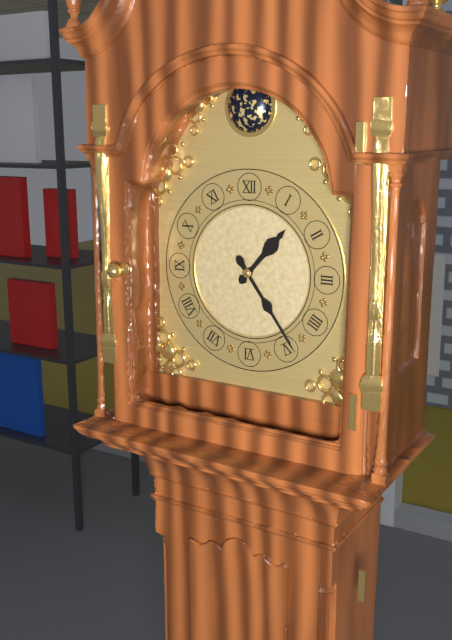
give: {"hour": 1, "minute": 24}
